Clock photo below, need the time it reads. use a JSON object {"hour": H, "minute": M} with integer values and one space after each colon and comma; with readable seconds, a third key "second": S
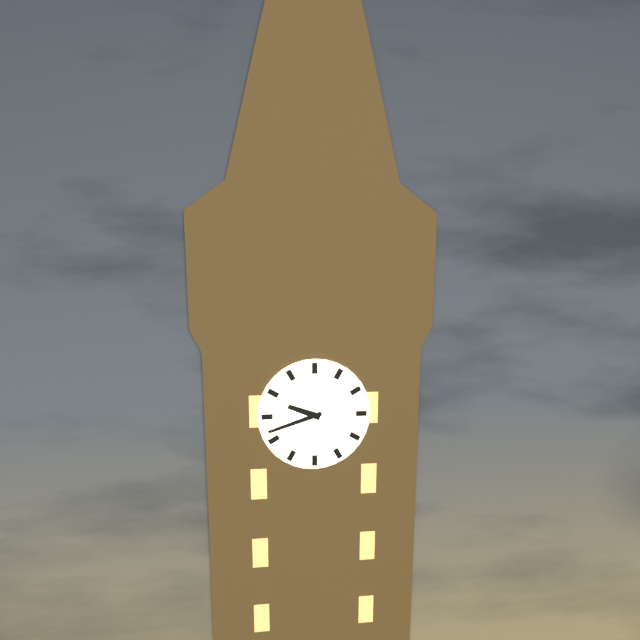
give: {"hour": 9, "minute": 42}
